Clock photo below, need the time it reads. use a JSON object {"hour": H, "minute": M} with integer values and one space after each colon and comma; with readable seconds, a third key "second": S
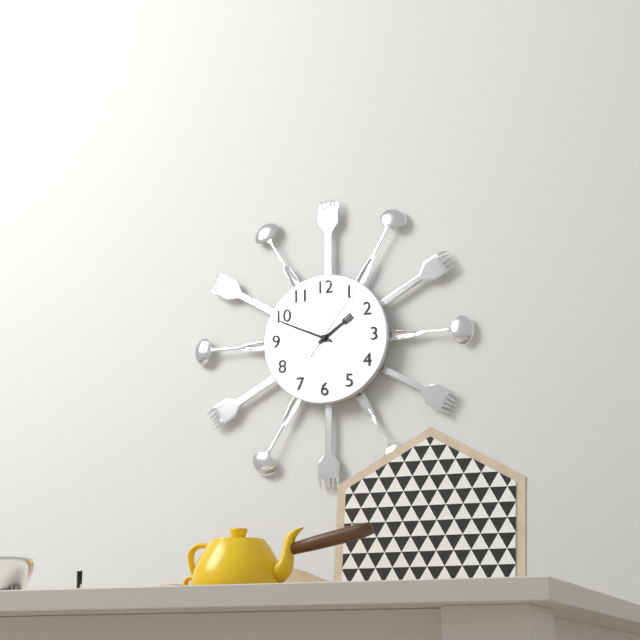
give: {"hour": 1, "minute": 49, "second": 6}
